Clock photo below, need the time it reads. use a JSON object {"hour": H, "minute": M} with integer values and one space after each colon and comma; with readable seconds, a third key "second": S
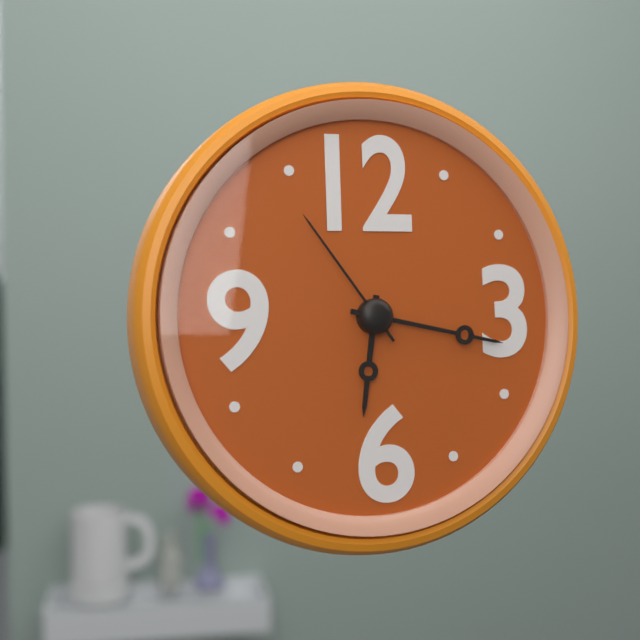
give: {"hour": 6, "minute": 17, "second": 54}
